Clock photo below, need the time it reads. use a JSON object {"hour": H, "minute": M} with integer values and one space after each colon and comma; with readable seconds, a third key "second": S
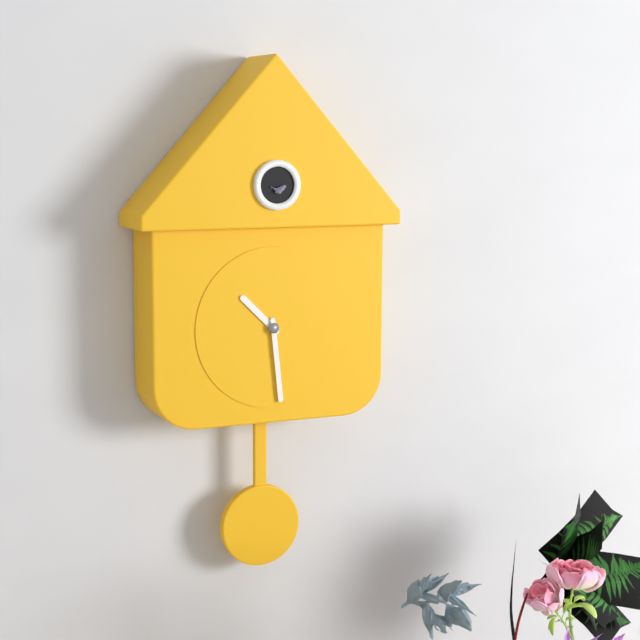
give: {"hour": 10, "minute": 29}
